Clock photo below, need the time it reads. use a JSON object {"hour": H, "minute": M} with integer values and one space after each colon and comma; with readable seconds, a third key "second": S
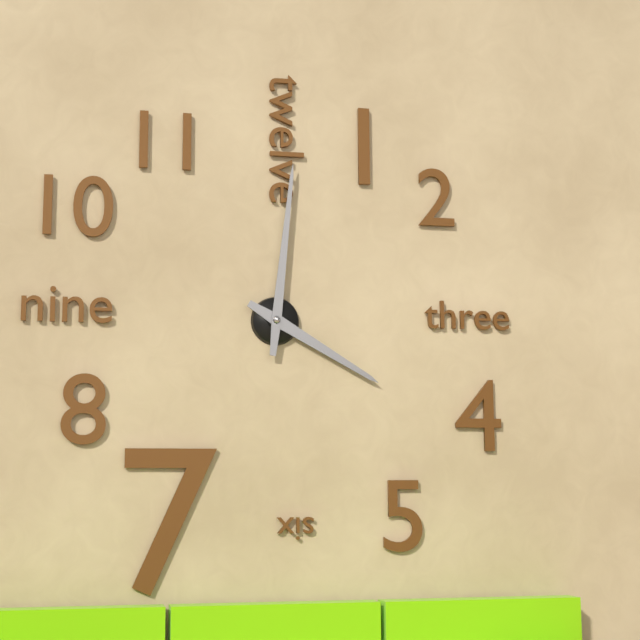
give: {"hour": 4, "minute": 1}
